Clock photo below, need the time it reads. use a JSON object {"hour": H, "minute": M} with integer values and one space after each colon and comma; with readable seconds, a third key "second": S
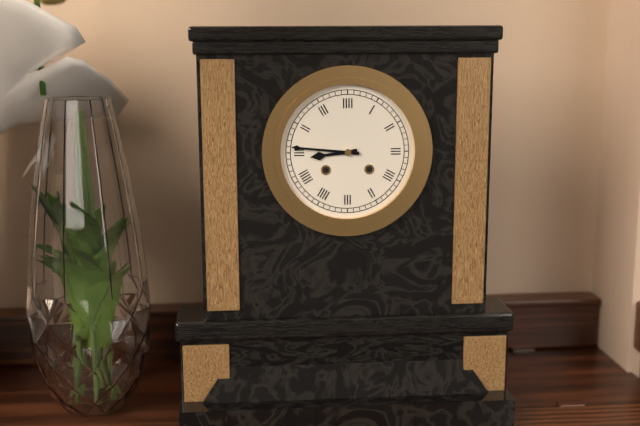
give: {"hour": 8, "minute": 46}
